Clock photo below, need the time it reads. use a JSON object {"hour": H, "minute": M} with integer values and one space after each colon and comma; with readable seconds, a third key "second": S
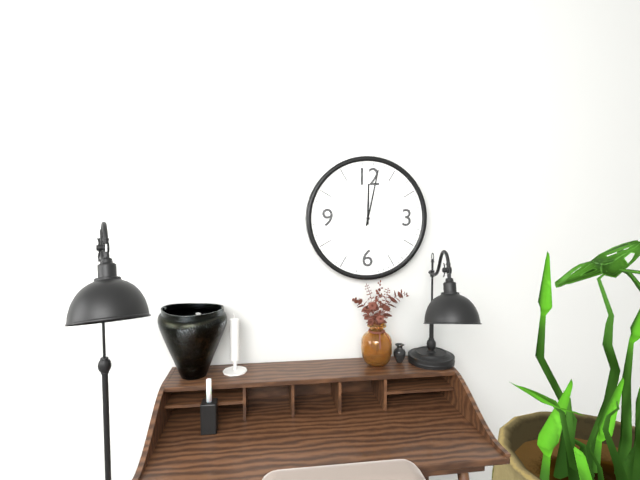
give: {"hour": 12, "minute": 2}
